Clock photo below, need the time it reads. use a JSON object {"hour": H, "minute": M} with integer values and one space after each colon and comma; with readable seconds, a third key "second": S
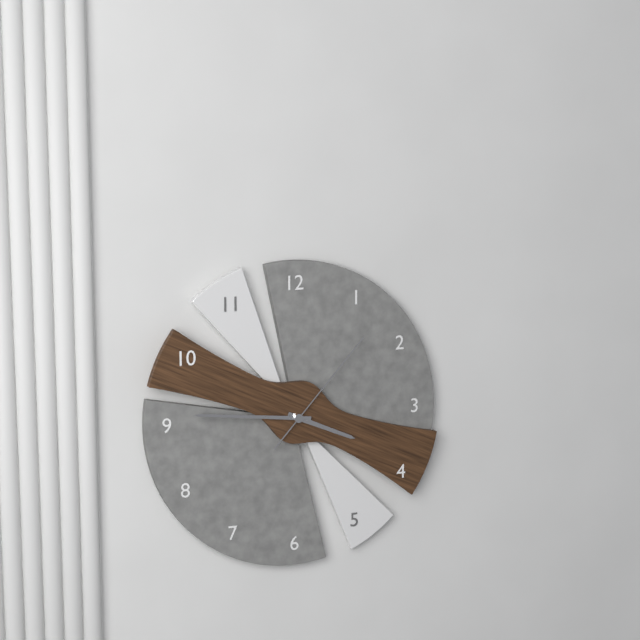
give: {"hour": 3, "minute": 46, "second": 7}
